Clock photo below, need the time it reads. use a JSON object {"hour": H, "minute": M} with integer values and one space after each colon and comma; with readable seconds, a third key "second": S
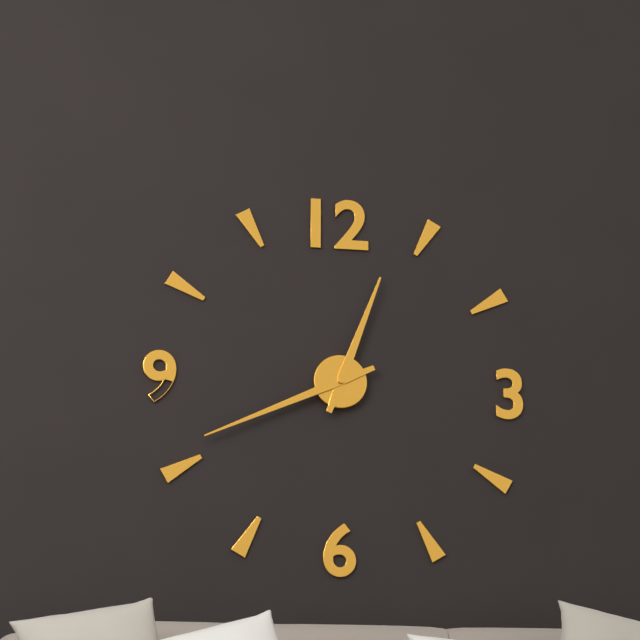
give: {"hour": 12, "minute": 41}
